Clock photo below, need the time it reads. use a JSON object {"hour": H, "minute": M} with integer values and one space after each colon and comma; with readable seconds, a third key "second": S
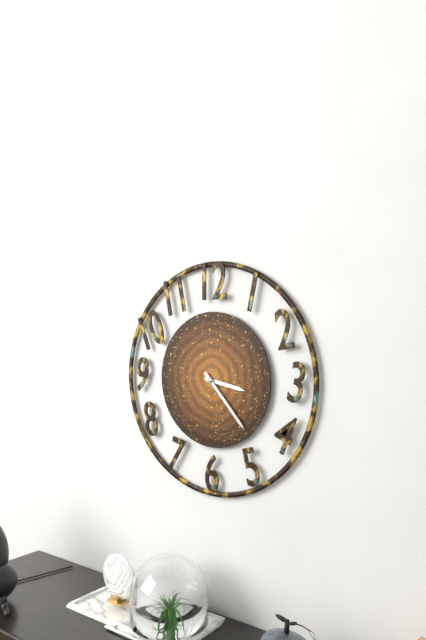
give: {"hour": 3, "minute": 23}
